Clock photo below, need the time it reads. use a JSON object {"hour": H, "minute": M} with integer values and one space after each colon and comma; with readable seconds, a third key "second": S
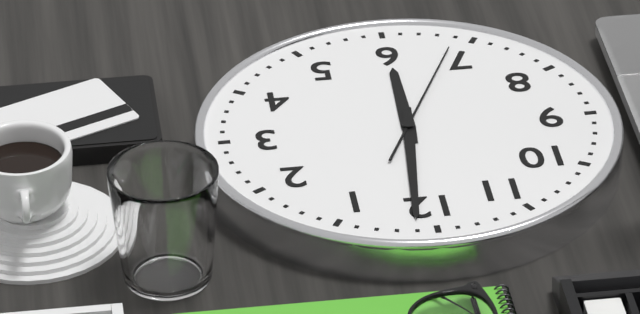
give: {"hour": 6, "minute": 1, "second": 34}
